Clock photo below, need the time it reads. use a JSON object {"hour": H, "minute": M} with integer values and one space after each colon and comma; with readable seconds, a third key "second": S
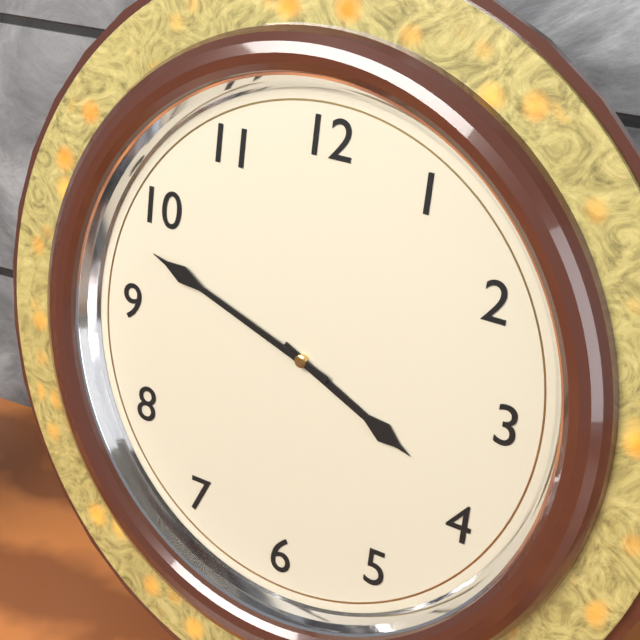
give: {"hour": 3, "minute": 48}
